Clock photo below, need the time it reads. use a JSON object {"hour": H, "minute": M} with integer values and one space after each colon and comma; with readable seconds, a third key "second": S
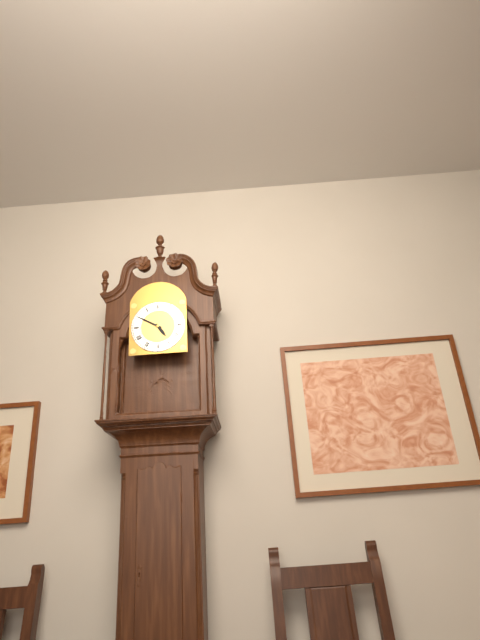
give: {"hour": 4, "minute": 50}
